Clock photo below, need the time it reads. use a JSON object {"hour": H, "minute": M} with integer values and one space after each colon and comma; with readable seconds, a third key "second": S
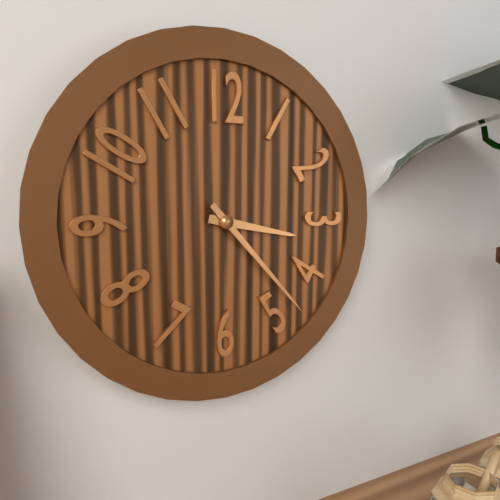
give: {"hour": 3, "minute": 23}
